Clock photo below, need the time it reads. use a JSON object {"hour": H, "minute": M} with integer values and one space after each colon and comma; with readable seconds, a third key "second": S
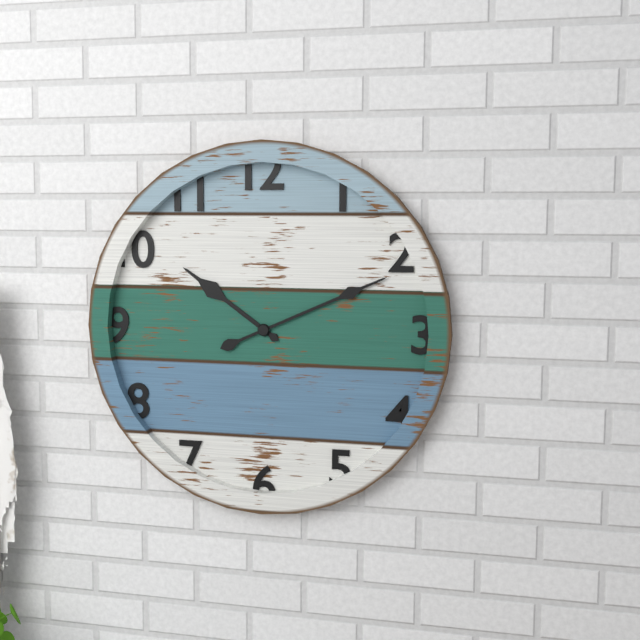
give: {"hour": 10, "minute": 11}
